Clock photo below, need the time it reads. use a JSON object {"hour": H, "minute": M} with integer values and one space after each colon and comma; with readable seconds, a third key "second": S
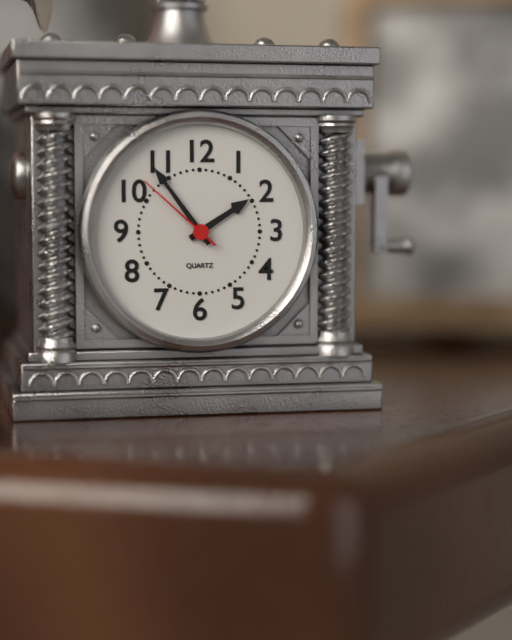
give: {"hour": 1, "minute": 54, "second": 52}
